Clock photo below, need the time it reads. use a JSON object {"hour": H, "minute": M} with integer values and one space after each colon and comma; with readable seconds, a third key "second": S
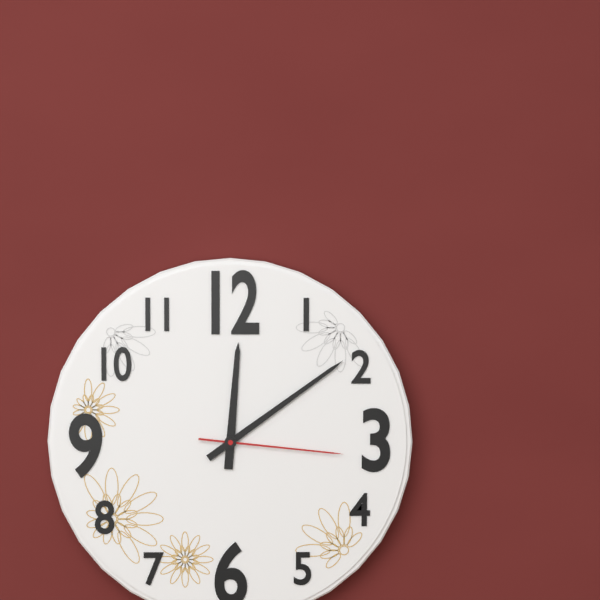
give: {"hour": 12, "minute": 9, "second": 16}
